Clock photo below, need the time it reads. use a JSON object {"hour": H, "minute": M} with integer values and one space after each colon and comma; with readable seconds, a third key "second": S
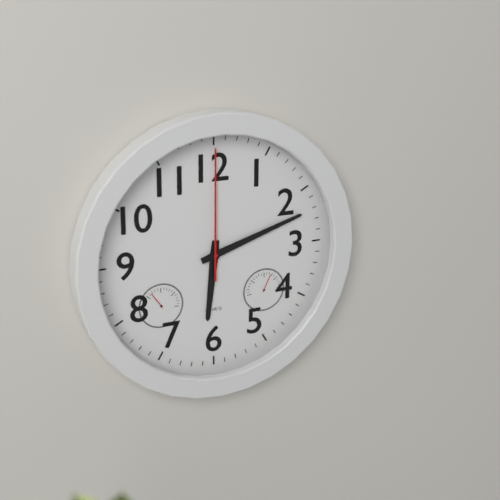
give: {"hour": 6, "minute": 12, "second": 0}
